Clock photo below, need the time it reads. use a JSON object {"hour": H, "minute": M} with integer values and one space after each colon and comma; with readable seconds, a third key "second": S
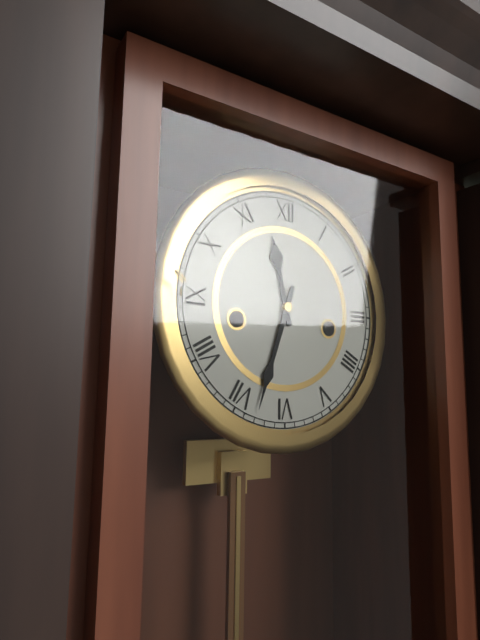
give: {"hour": 11, "minute": 33}
